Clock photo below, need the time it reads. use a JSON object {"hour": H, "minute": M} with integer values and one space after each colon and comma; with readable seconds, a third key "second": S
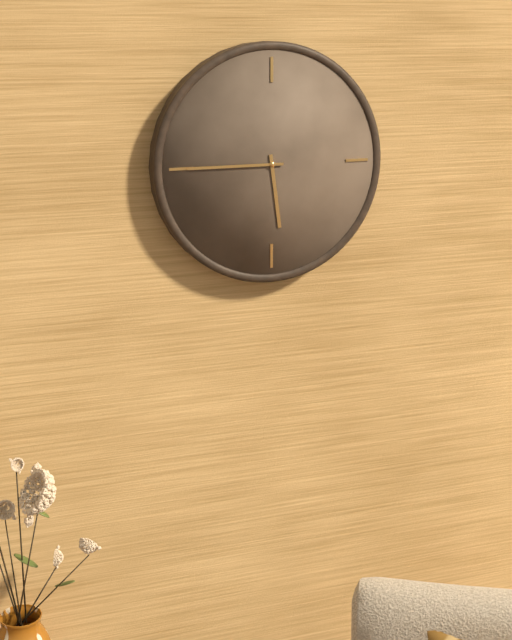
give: {"hour": 5, "minute": 45}
